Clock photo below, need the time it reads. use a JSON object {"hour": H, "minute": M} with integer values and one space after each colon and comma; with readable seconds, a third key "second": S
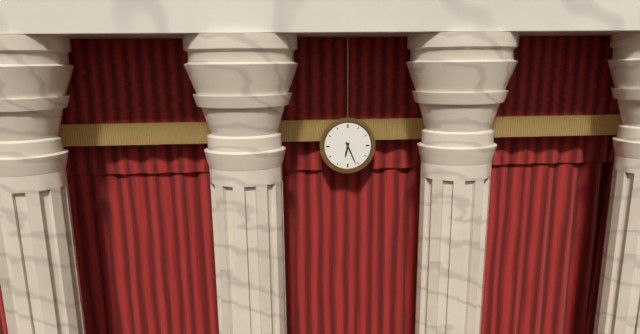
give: {"hour": 6, "minute": 26}
